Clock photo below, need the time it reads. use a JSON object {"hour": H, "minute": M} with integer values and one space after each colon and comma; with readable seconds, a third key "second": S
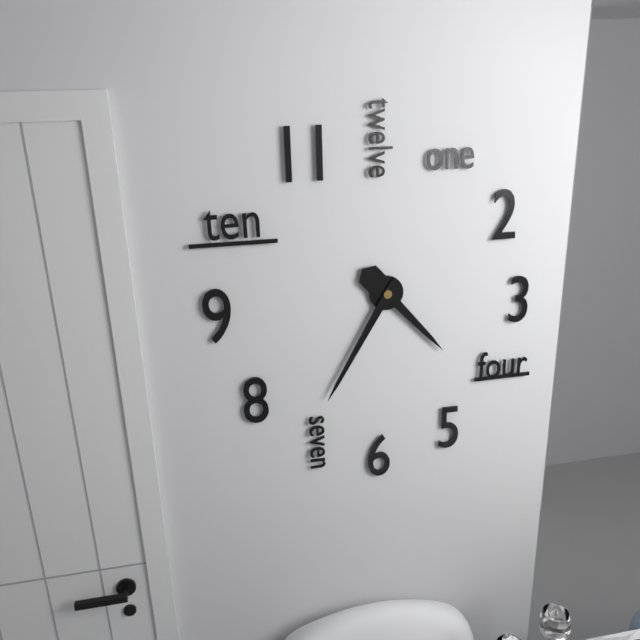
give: {"hour": 4, "minute": 35}
